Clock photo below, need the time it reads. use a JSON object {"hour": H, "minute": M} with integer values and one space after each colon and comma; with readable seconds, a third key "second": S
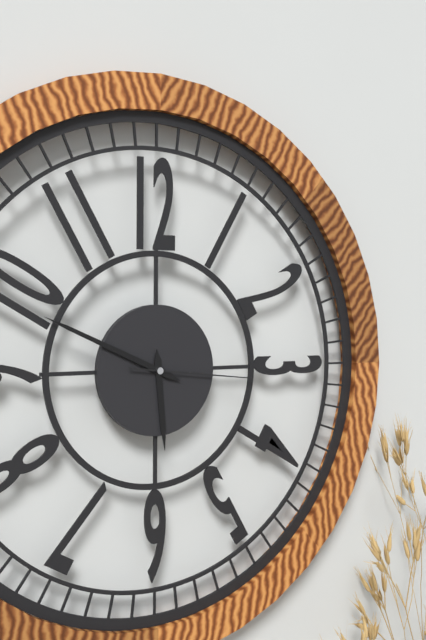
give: {"hour": 5, "minute": 49, "second": 16}
